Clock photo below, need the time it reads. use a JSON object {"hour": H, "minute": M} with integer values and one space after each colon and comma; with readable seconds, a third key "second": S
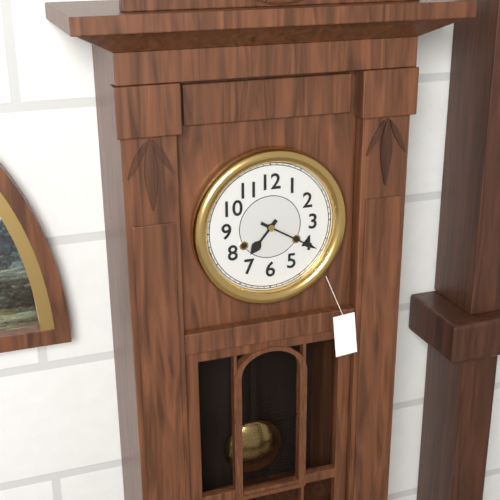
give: {"hour": 7, "minute": 20}
